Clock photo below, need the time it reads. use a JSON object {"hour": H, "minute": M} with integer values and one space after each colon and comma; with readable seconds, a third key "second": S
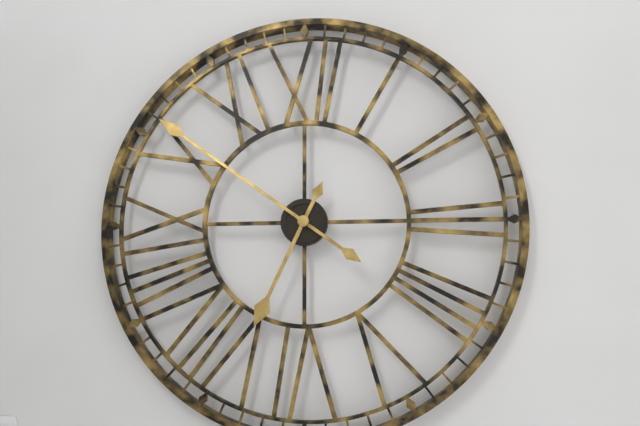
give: {"hour": 6, "minute": 51}
